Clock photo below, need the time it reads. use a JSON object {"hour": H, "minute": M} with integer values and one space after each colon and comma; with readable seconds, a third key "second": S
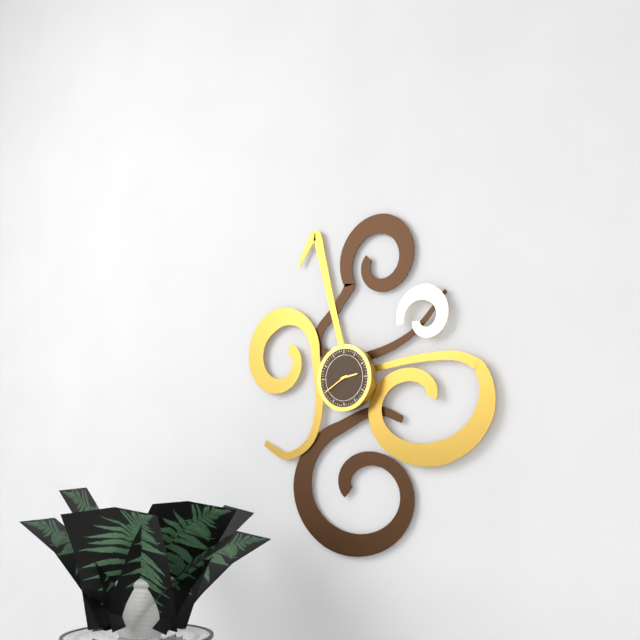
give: {"hour": 2, "minute": 40}
